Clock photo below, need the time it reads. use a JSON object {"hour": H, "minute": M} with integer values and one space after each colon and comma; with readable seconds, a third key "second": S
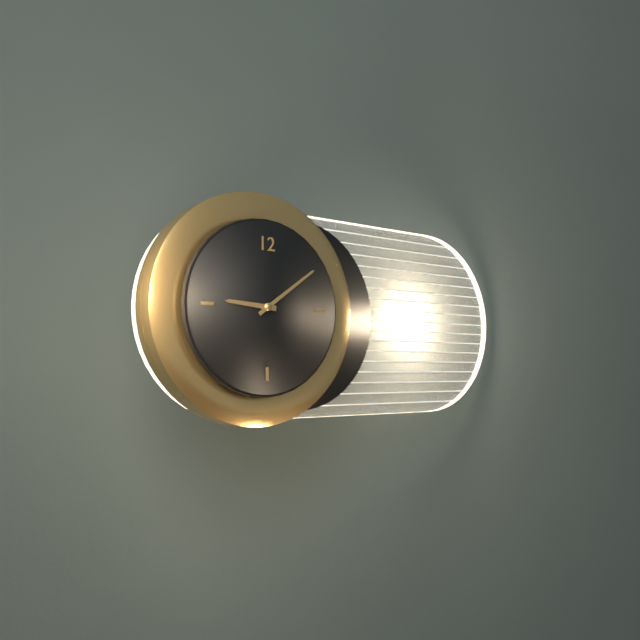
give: {"hour": 9, "minute": 9}
